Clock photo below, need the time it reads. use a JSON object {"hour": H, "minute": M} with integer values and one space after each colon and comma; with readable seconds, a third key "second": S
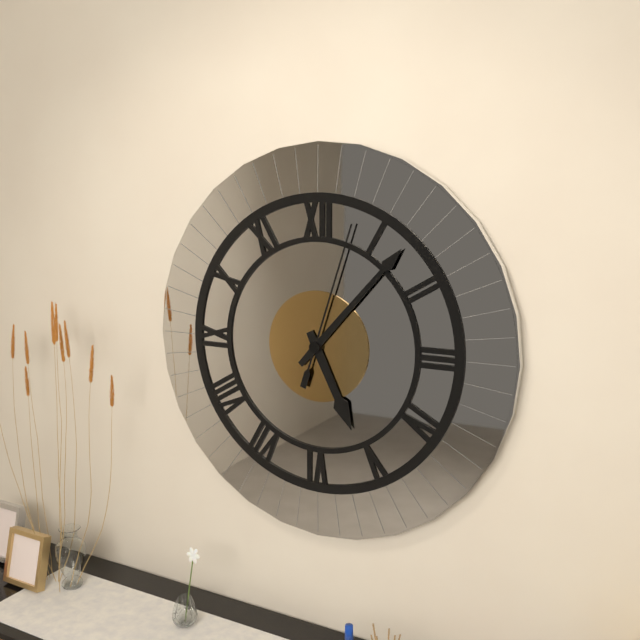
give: {"hour": 5, "minute": 7, "second": 3}
